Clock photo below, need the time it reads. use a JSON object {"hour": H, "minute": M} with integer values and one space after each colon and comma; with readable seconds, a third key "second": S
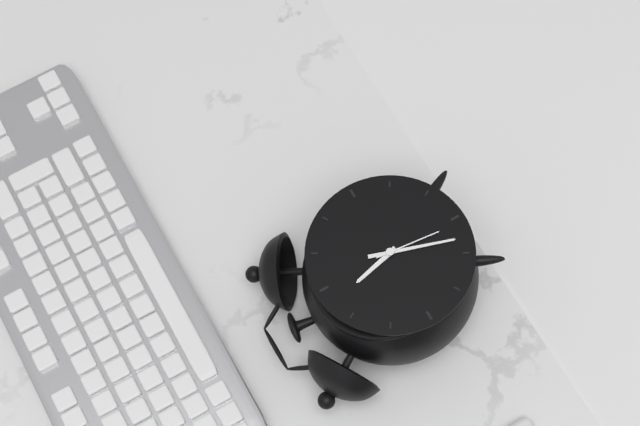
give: {"hour": 11, "minute": 33, "second": 31}
